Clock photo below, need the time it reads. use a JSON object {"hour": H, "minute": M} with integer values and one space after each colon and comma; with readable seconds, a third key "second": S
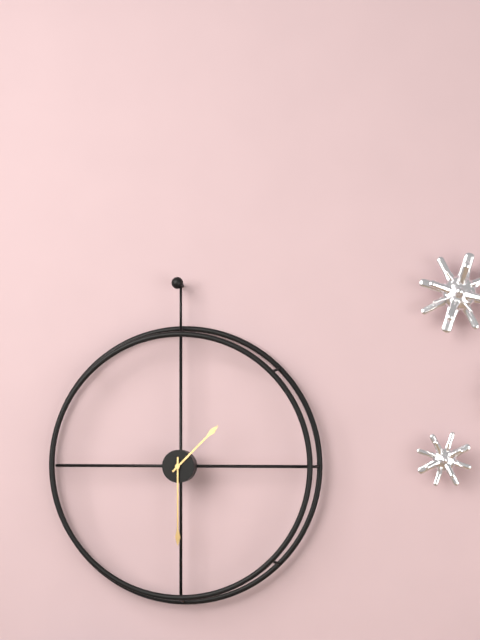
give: {"hour": 1, "minute": 30}
